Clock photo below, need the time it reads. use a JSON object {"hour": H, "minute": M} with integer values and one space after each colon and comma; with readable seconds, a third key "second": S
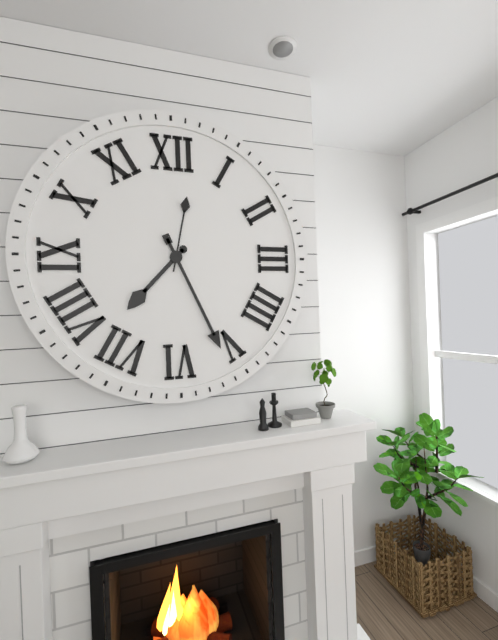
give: {"hour": 7, "minute": 26, "second": 2}
